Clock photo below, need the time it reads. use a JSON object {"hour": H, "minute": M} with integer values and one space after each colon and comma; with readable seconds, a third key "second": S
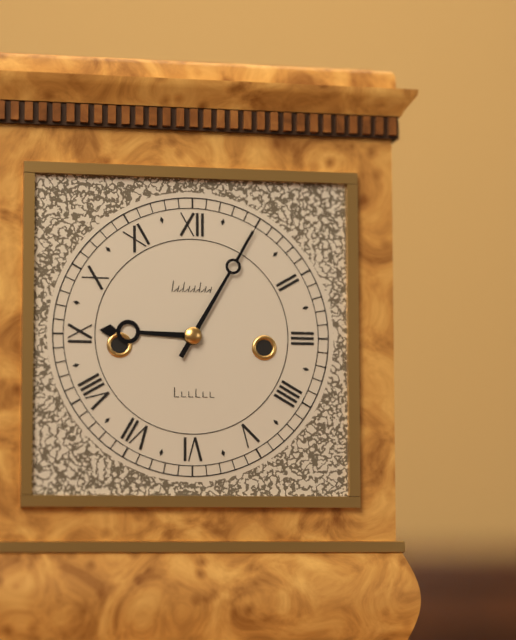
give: {"hour": 9, "minute": 5}
